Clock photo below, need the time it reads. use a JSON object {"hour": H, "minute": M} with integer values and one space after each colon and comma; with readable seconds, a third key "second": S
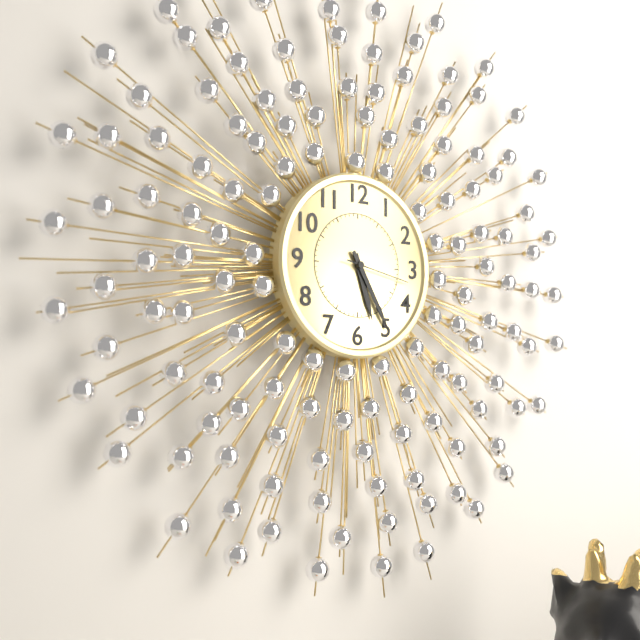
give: {"hour": 5, "minute": 25, "second": 17}
